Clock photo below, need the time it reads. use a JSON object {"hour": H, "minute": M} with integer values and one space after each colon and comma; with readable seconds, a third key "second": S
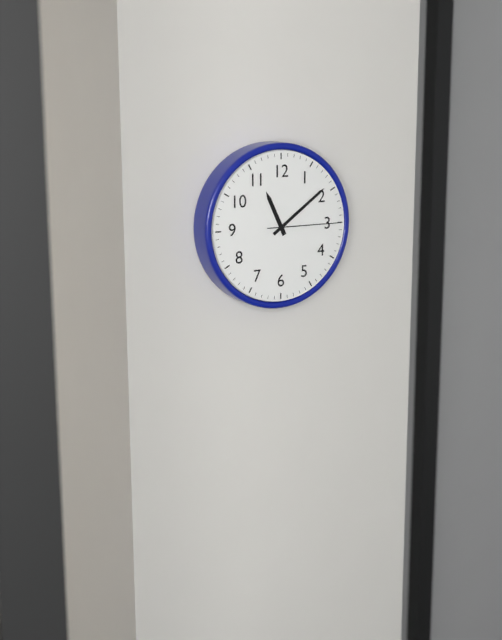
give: {"hour": 11, "minute": 9, "second": 15}
